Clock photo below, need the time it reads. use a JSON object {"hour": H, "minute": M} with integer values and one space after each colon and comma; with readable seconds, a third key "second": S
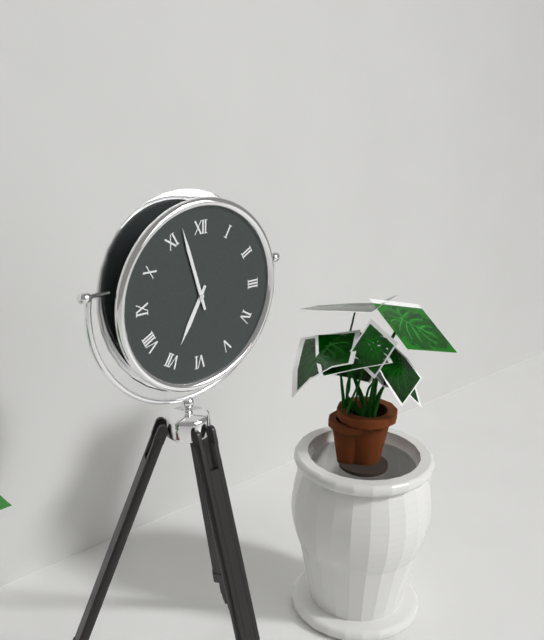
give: {"hour": 6, "minute": 57}
